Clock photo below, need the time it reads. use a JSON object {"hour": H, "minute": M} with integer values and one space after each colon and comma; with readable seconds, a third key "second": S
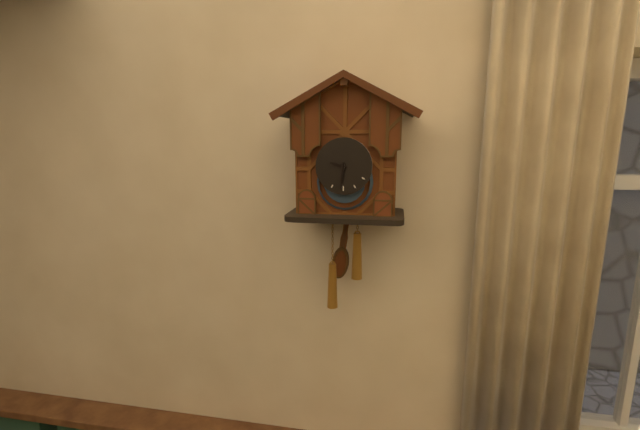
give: {"hour": 9, "minute": 31}
